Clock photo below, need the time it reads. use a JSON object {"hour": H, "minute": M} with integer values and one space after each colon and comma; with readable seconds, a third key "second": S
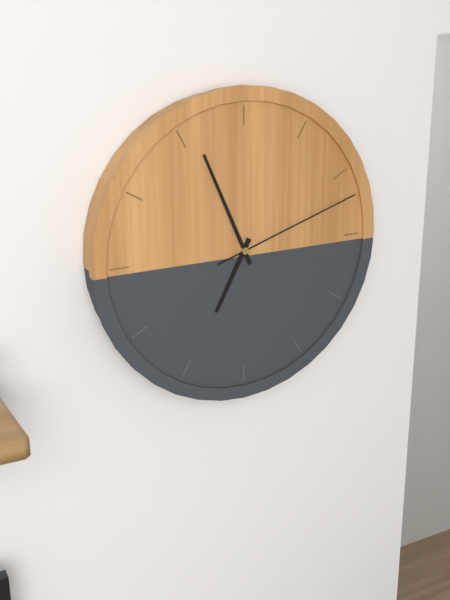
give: {"hour": 6, "minute": 56, "second": 12}
